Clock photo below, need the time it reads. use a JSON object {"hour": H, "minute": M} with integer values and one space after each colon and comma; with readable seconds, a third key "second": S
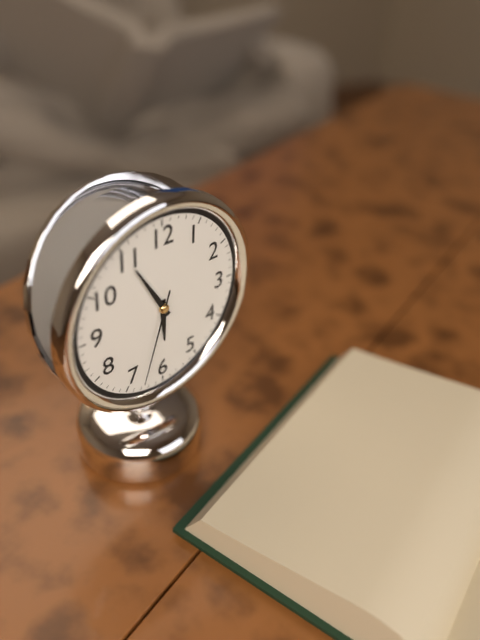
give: {"hour": 5, "minute": 55, "second": 33}
